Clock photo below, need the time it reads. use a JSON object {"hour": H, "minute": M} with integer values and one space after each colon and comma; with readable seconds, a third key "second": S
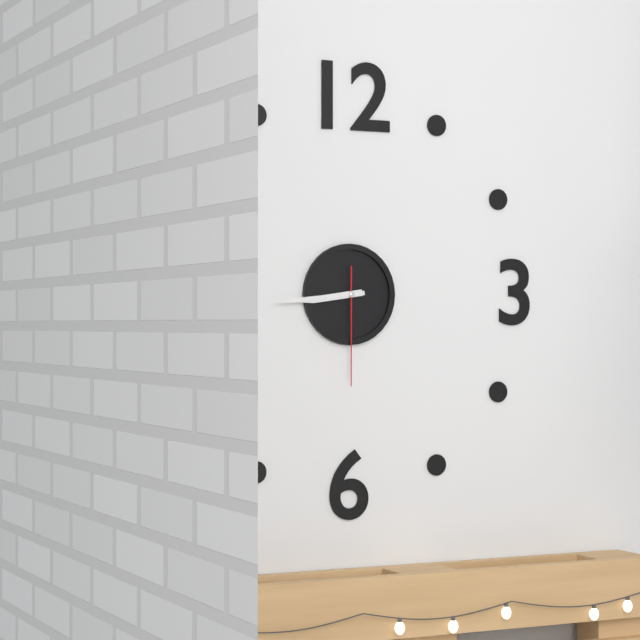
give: {"hour": 8, "minute": 44, "second": 30}
